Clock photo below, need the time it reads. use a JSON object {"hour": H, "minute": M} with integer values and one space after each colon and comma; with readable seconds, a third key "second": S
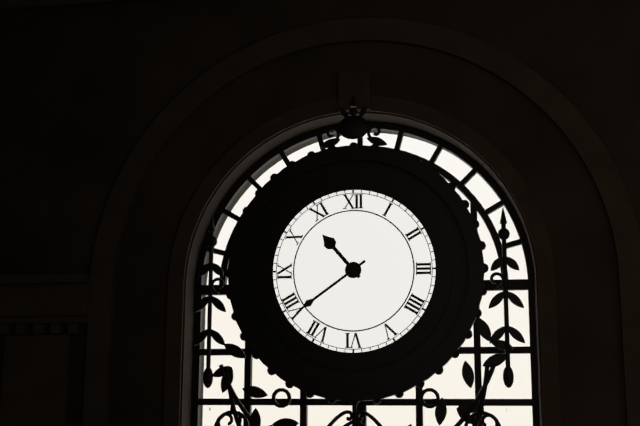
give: {"hour": 10, "minute": 39}
